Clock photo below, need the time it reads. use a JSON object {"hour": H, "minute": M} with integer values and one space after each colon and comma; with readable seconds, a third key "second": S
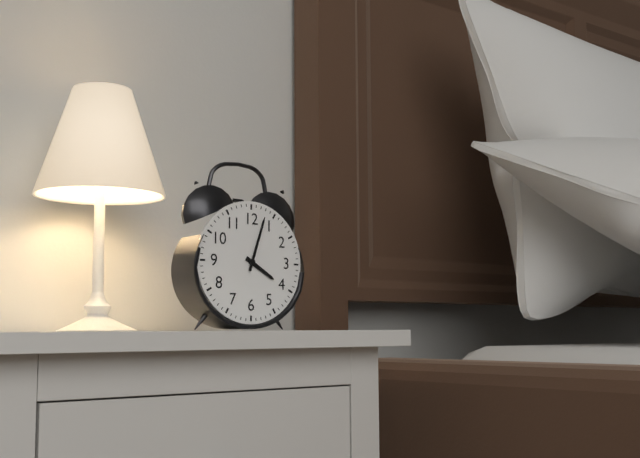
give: {"hour": 4, "minute": 3}
